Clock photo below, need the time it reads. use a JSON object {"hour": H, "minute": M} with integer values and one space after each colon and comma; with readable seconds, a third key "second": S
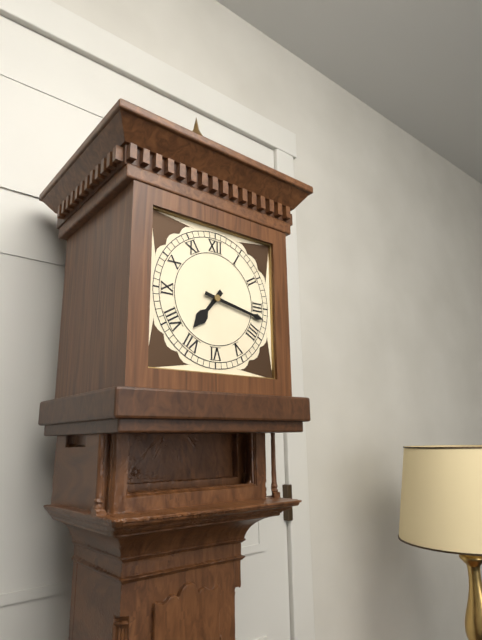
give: {"hour": 7, "minute": 17}
